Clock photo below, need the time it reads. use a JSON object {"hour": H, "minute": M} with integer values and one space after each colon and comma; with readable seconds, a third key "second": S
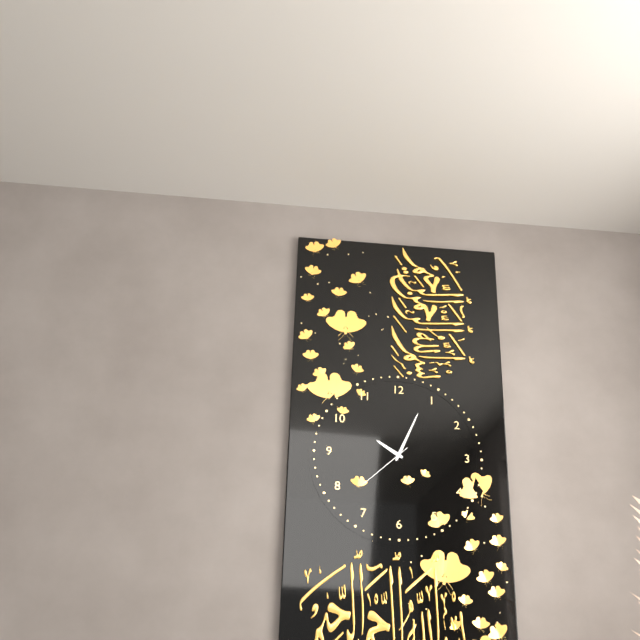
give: {"hour": 10, "minute": 4, "second": 38}
